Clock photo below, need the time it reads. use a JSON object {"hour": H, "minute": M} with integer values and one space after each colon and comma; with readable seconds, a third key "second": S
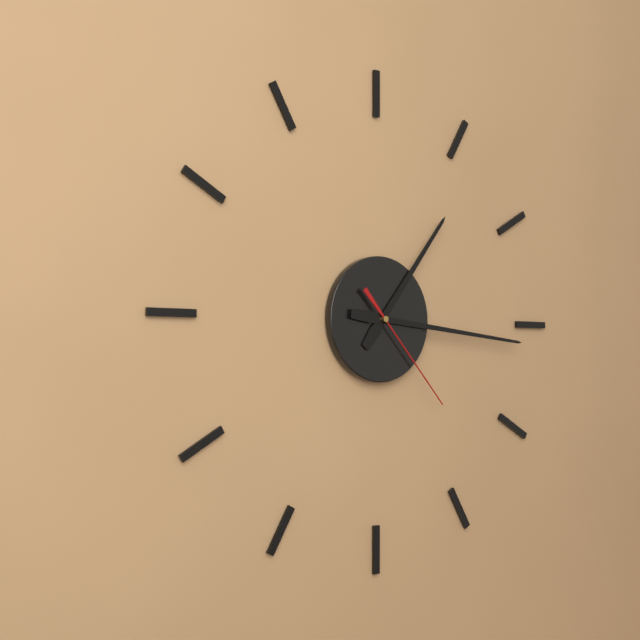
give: {"hour": 1, "minute": 16, "second": 23}
